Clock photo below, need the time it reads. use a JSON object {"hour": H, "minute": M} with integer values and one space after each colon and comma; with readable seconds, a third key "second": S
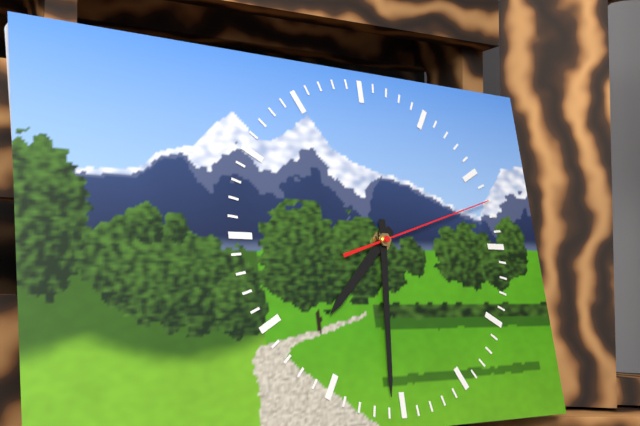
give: {"hour": 7, "minute": 31, "second": 12}
